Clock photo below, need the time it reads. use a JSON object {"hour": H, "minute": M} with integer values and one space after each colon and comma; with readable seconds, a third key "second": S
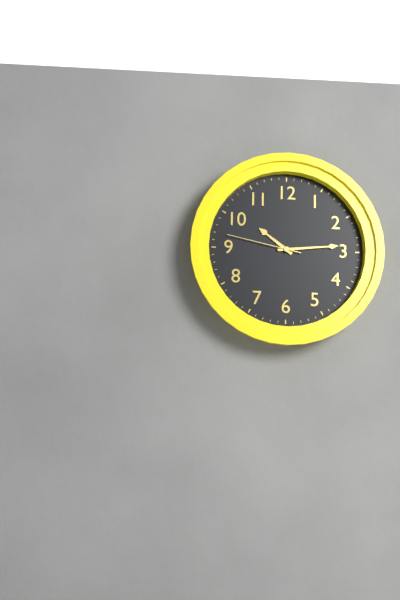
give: {"hour": 10, "minute": 14, "second": 47}
